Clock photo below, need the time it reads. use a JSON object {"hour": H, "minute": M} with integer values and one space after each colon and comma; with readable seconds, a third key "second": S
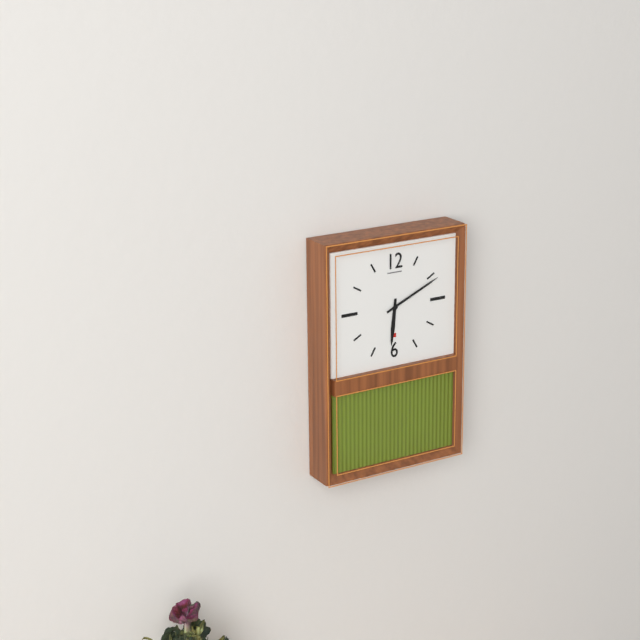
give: {"hour": 6, "minute": 11}
